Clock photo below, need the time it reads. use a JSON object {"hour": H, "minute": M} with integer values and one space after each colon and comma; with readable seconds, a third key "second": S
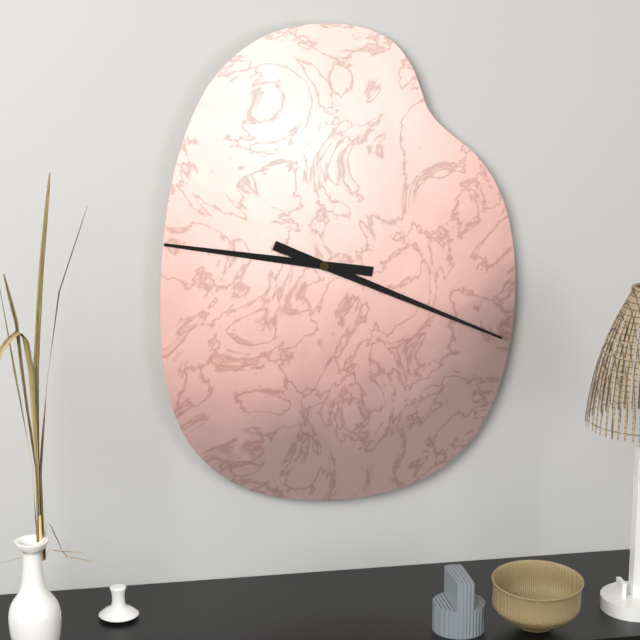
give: {"hour": 9, "minute": 19}
